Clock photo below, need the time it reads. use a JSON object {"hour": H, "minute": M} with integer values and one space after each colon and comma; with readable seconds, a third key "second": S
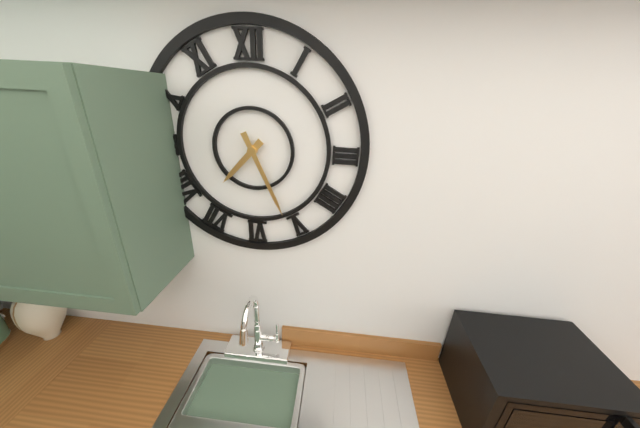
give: {"hour": 7, "minute": 26}
